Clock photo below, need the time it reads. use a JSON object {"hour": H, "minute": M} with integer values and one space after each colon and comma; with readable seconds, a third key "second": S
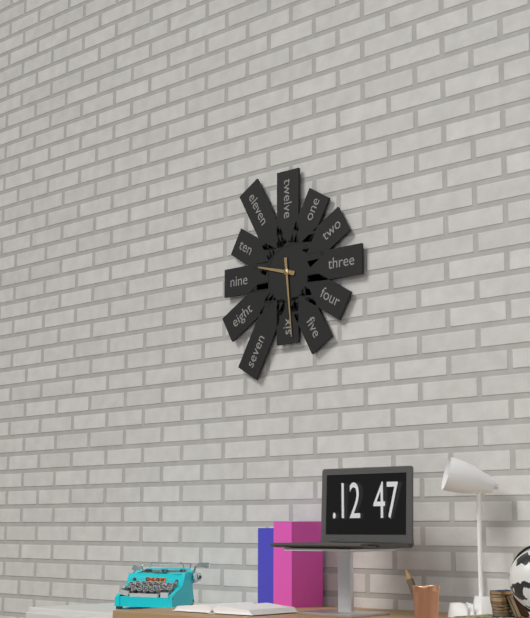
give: {"hour": 9, "minute": 29}
